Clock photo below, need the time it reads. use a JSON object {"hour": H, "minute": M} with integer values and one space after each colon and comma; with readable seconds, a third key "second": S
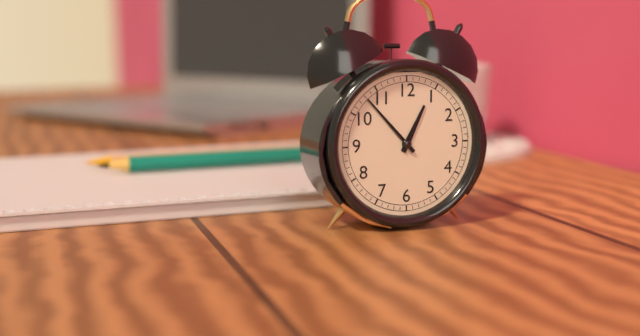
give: {"hour": 12, "minute": 53}
